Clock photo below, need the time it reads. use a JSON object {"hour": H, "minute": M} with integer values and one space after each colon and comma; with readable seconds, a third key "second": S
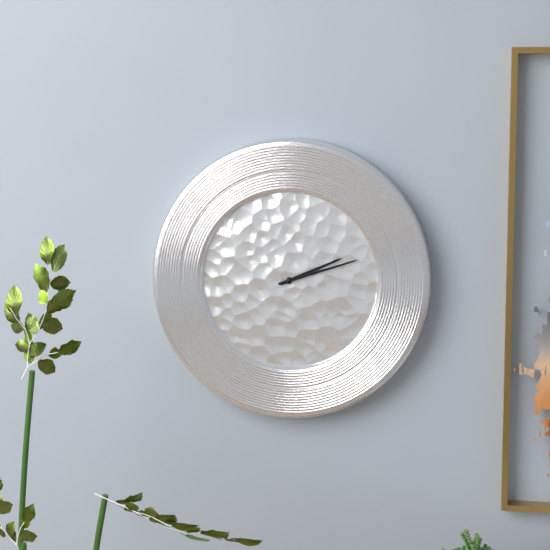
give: {"hour": 2, "minute": 12}
